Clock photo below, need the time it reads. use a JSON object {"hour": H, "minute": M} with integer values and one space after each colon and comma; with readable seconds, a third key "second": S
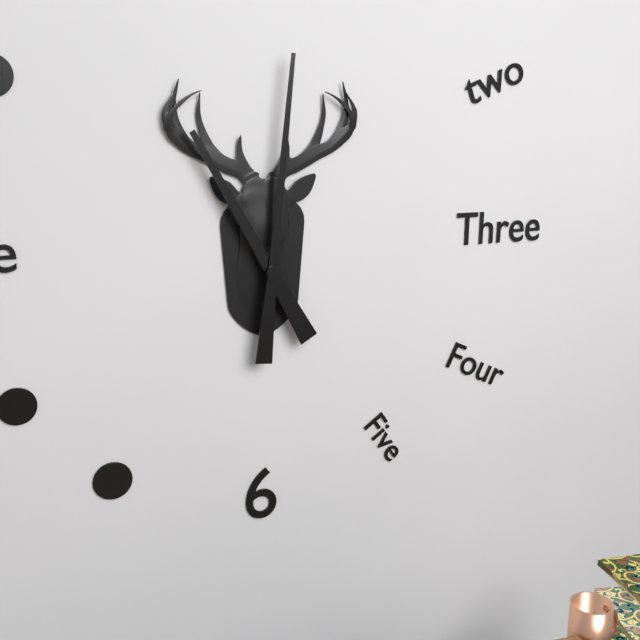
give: {"hour": 11, "minute": 1}
